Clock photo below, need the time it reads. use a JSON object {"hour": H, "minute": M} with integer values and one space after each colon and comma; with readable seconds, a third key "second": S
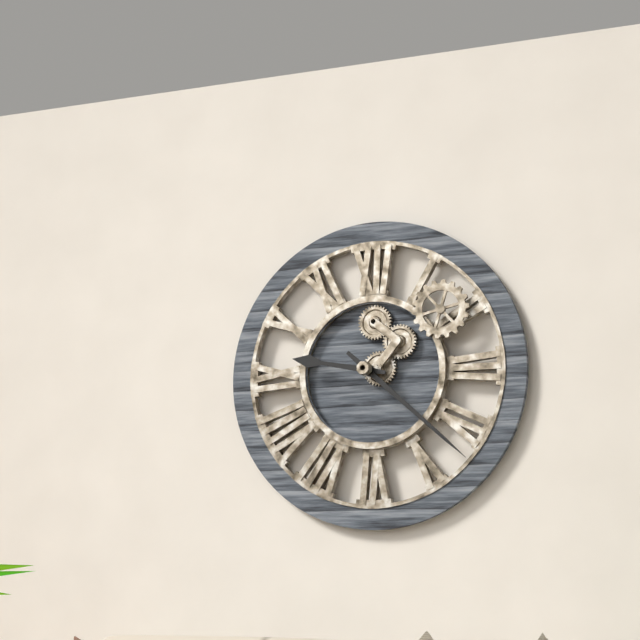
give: {"hour": 9, "minute": 22}
